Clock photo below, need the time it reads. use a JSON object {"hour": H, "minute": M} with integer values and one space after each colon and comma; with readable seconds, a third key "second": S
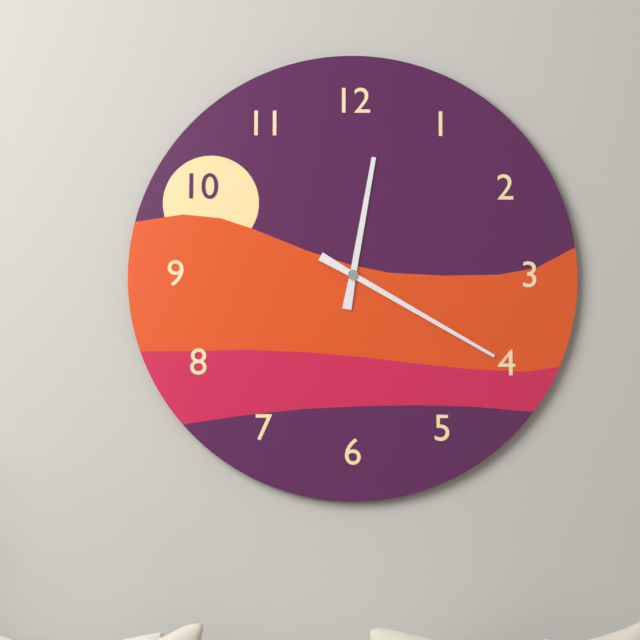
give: {"hour": 12, "minute": 20}
